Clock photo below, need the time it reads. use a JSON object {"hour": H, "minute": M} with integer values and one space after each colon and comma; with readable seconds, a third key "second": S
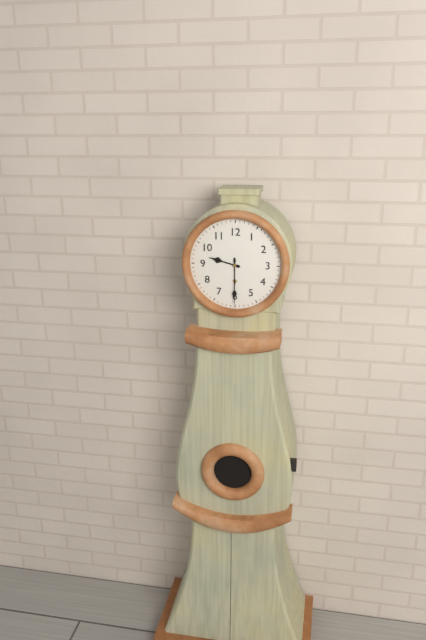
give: {"hour": 9, "minute": 30}
